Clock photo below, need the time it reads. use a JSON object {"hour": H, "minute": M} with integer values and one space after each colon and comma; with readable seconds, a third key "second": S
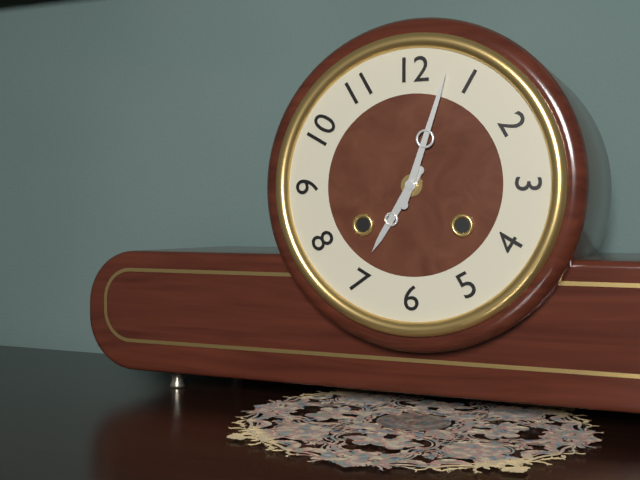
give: {"hour": 7, "minute": 3}
